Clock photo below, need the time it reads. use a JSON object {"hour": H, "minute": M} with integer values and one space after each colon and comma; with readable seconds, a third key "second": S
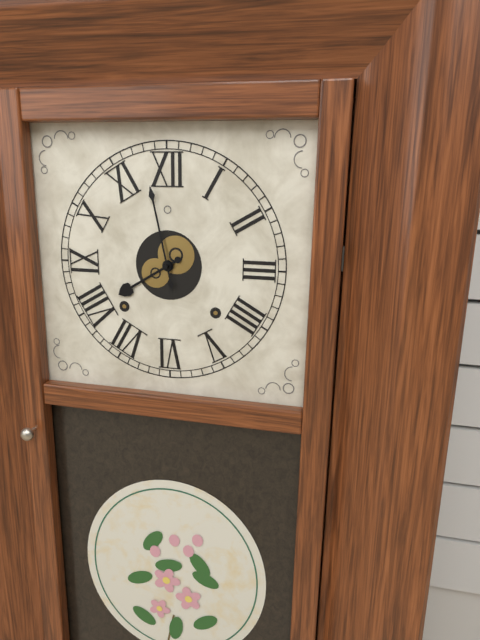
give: {"hour": 7, "minute": 58}
